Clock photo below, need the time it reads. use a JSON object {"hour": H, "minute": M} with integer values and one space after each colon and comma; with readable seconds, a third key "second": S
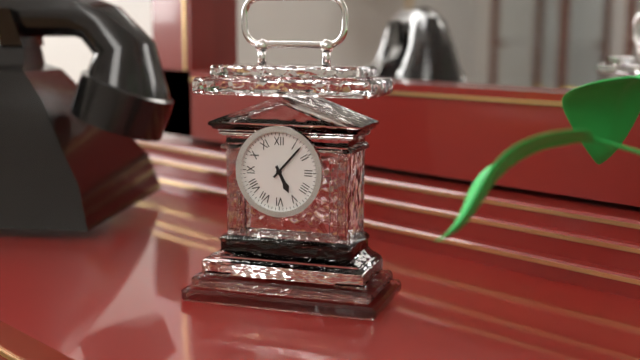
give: {"hour": 5, "minute": 7}
